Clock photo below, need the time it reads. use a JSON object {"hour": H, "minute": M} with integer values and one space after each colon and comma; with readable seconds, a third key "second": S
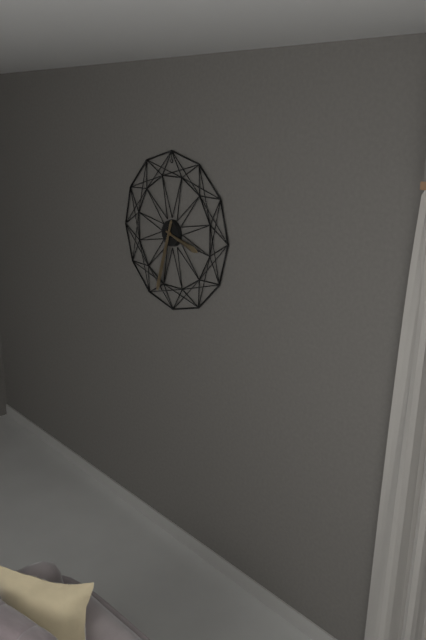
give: {"hour": 3, "minute": 33}
